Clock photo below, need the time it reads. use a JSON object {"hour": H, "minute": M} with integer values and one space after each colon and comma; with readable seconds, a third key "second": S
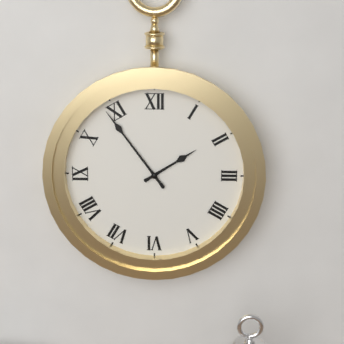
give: {"hour": 1, "minute": 54}
